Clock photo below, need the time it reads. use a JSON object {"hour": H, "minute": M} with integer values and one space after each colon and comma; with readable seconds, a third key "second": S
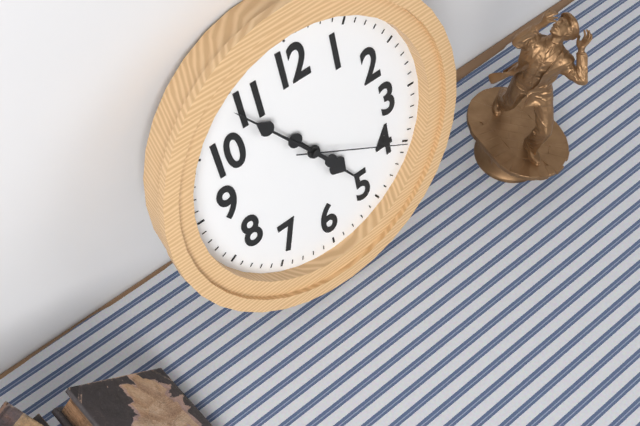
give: {"hour": 4, "minute": 54, "second": 20}
